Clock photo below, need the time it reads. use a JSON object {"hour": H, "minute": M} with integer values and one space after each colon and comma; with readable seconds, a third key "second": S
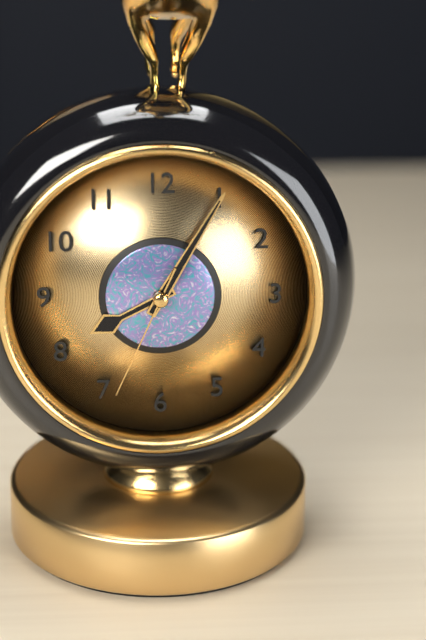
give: {"hour": 8, "minute": 5, "second": 34}
